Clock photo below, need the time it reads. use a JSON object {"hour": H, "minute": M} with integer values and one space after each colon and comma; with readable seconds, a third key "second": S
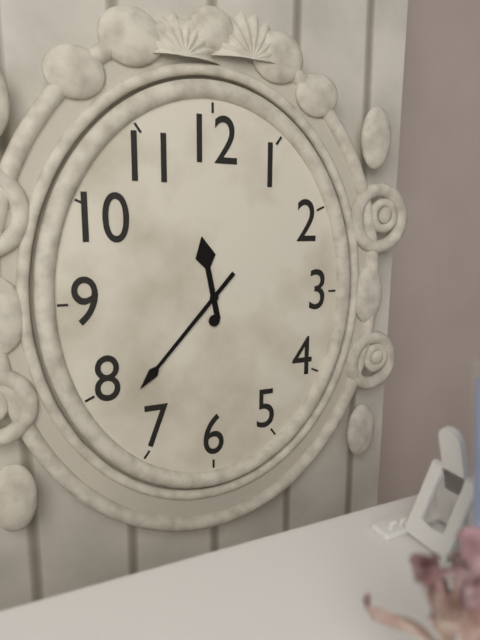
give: {"hour": 11, "minute": 37}
